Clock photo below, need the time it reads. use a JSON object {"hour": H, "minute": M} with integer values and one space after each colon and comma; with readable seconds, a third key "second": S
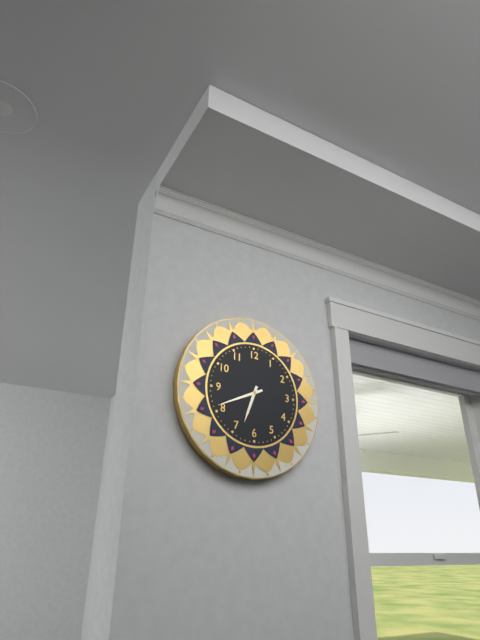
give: {"hour": 6, "minute": 41}
